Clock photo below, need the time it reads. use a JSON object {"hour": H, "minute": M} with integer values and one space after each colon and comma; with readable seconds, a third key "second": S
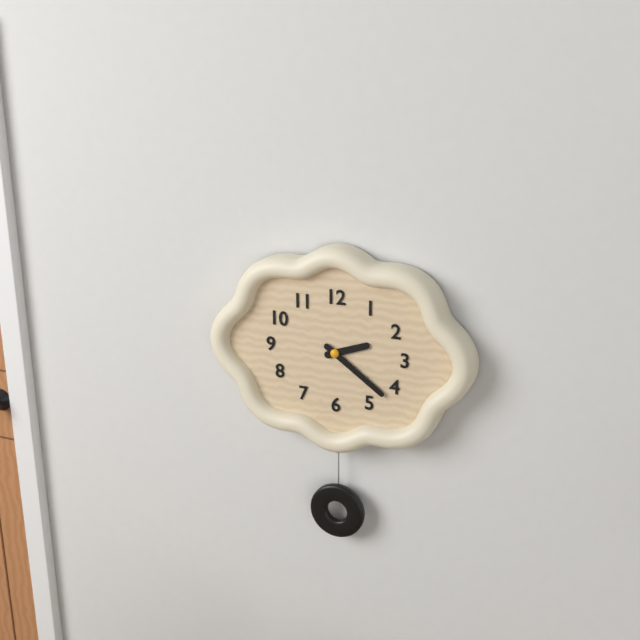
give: {"hour": 2, "minute": 21}
